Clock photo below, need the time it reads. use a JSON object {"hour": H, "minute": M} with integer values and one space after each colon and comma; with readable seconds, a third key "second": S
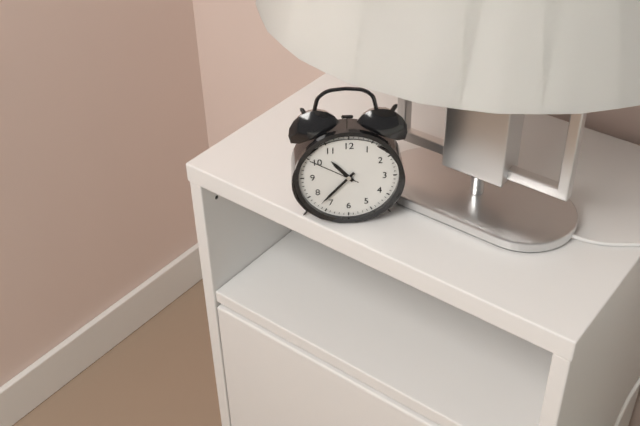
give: {"hour": 10, "minute": 37, "second": 50}
